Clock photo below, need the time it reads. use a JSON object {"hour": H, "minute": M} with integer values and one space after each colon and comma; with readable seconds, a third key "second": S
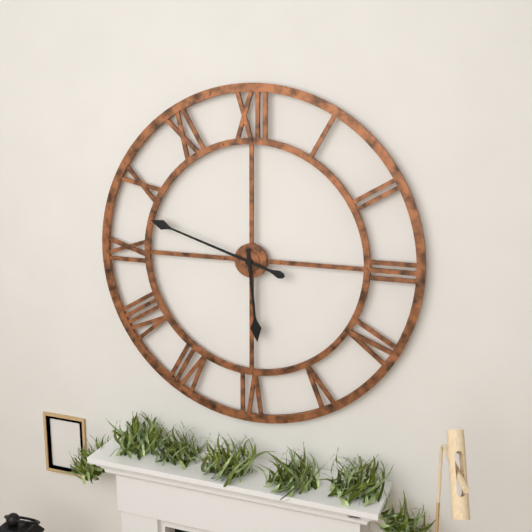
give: {"hour": 5, "minute": 48}
